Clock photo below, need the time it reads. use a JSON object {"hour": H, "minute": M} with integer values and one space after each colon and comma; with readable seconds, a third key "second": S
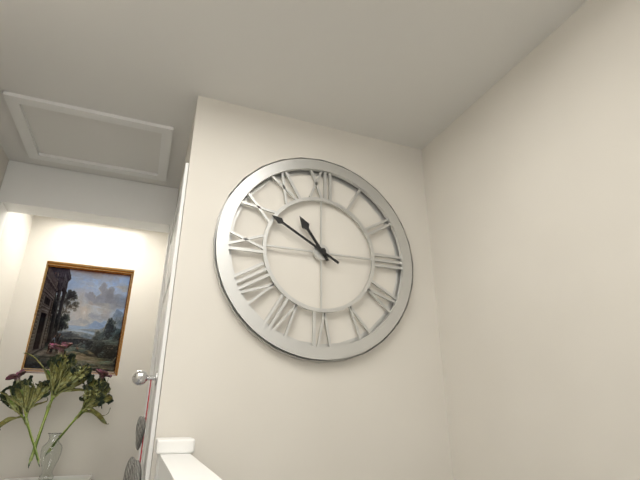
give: {"hour": 10, "minute": 50}
